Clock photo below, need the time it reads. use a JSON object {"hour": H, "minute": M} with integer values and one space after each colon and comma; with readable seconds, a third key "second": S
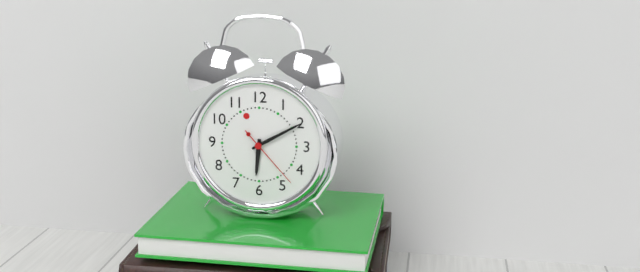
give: {"hour": 6, "minute": 10, "second": 23}
